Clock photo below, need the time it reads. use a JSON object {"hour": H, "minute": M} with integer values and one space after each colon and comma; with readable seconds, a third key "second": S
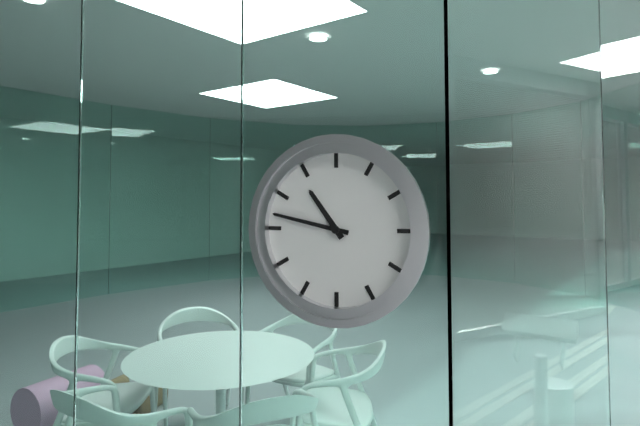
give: {"hour": 10, "minute": 47}
